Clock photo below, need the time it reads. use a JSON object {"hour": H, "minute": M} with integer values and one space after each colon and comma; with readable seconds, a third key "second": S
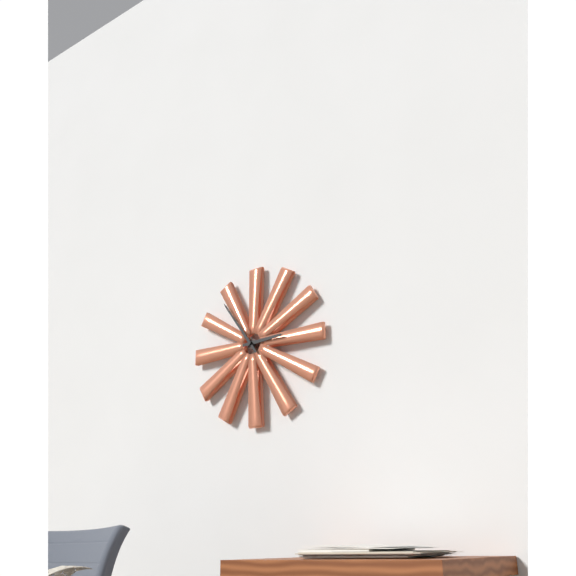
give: {"hour": 2, "minute": 54}
